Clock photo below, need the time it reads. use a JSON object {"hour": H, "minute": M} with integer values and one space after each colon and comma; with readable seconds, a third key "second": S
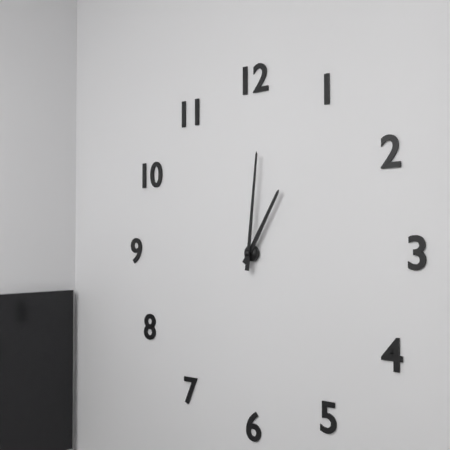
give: {"hour": 1, "minute": 1}
